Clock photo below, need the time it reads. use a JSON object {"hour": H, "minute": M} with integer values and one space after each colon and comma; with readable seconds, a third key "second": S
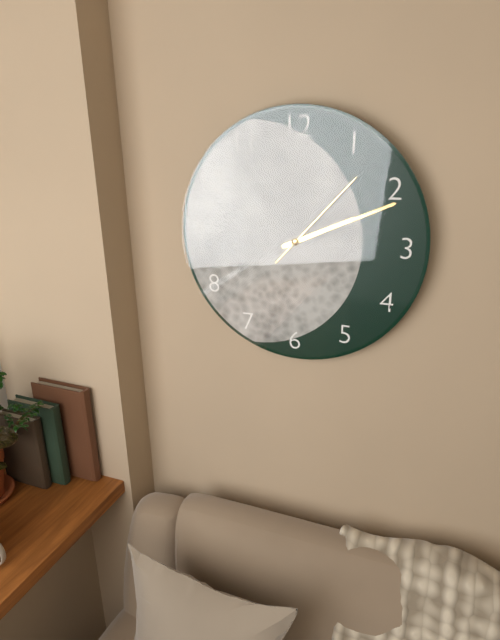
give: {"hour": 2, "minute": 11, "second": 7}
